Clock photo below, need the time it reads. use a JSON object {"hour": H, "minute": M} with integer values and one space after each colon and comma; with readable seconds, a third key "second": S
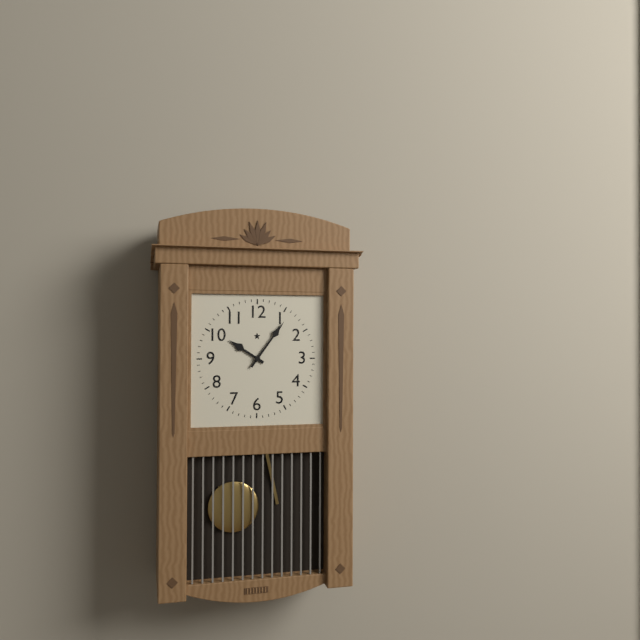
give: {"hour": 10, "minute": 6}
